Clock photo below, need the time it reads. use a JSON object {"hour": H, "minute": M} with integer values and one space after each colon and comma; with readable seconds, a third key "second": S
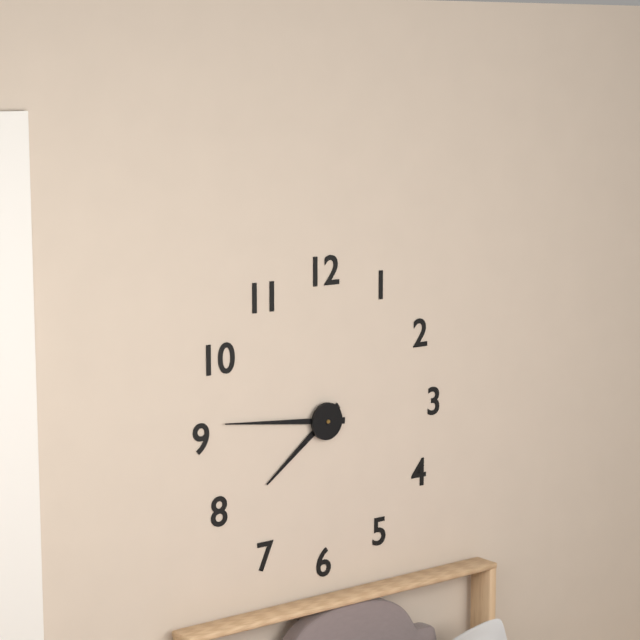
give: {"hour": 7, "minute": 46}
